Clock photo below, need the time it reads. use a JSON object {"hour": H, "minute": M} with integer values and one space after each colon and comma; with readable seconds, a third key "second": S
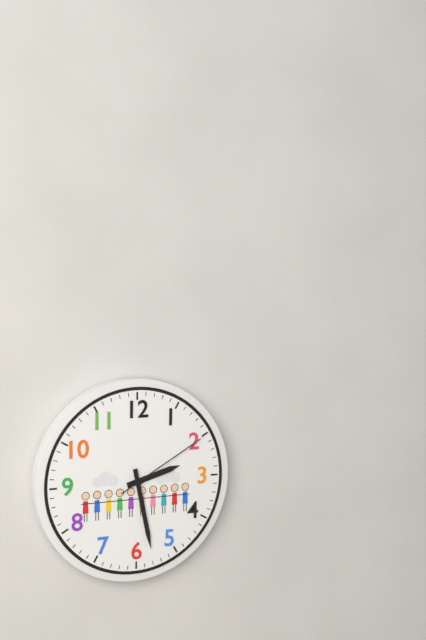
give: {"hour": 2, "minute": 28, "second": 10}
